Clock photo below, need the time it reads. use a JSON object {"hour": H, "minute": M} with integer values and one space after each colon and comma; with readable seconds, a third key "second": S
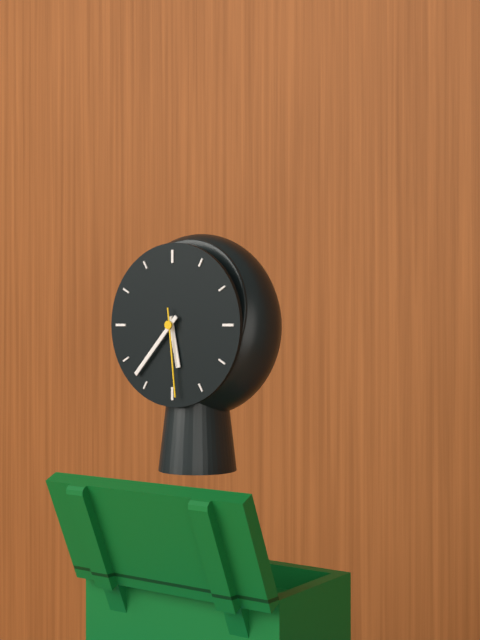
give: {"hour": 5, "minute": 37, "second": 29}
